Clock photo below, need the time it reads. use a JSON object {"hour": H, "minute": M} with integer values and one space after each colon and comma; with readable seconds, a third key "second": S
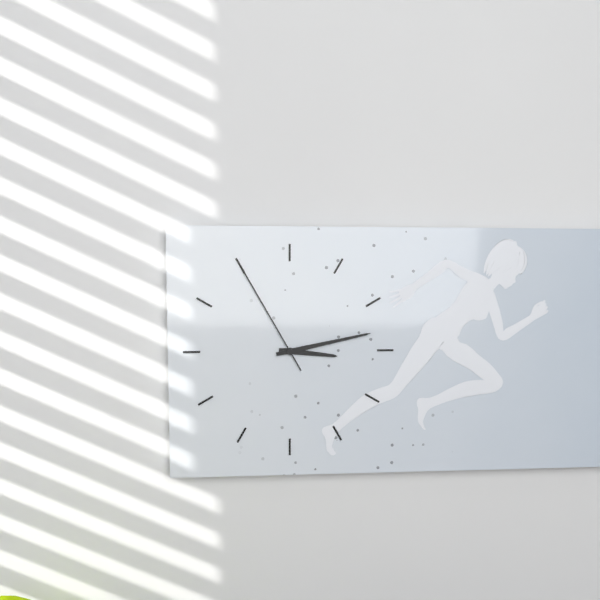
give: {"hour": 3, "minute": 13, "second": 55}
